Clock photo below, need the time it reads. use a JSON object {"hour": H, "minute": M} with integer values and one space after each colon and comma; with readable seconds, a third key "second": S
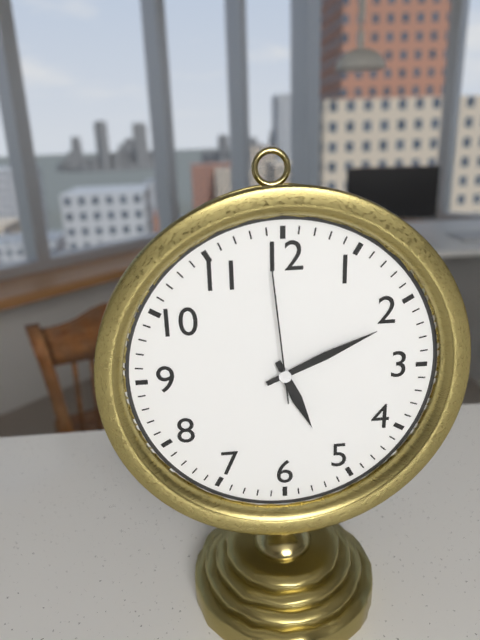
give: {"hour": 5, "minute": 11, "second": 59}
